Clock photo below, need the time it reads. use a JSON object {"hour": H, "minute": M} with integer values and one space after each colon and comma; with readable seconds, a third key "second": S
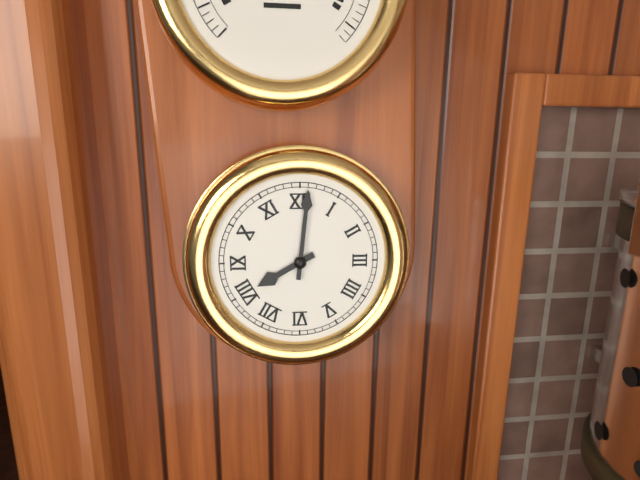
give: {"hour": 8, "minute": 1}
